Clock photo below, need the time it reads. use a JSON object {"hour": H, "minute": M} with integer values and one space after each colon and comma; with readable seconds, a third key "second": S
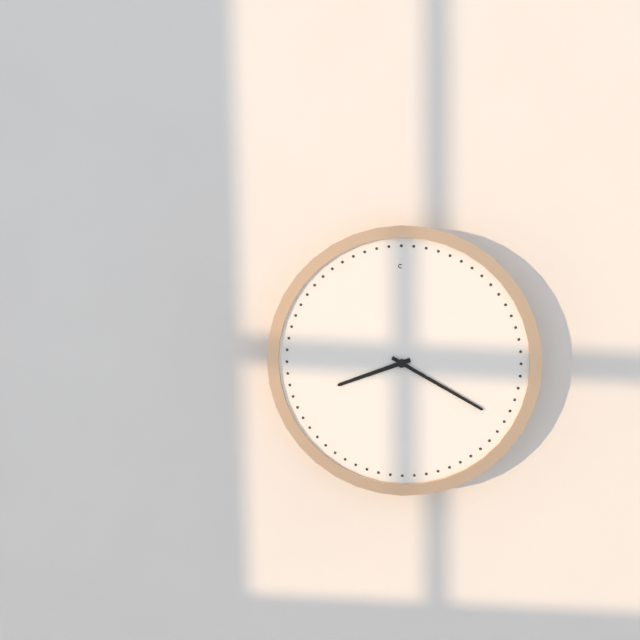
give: {"hour": 8, "minute": 20}
